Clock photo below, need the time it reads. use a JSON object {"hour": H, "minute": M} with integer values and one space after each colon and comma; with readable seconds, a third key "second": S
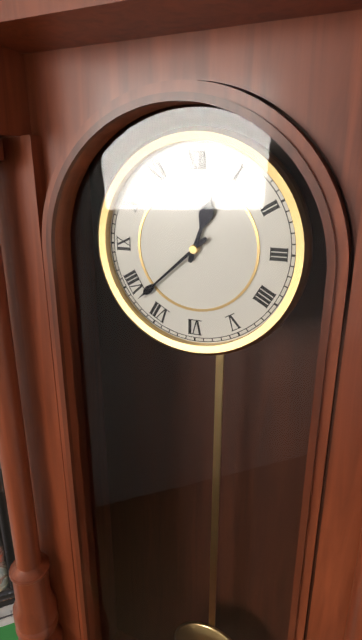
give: {"hour": 12, "minute": 38}
